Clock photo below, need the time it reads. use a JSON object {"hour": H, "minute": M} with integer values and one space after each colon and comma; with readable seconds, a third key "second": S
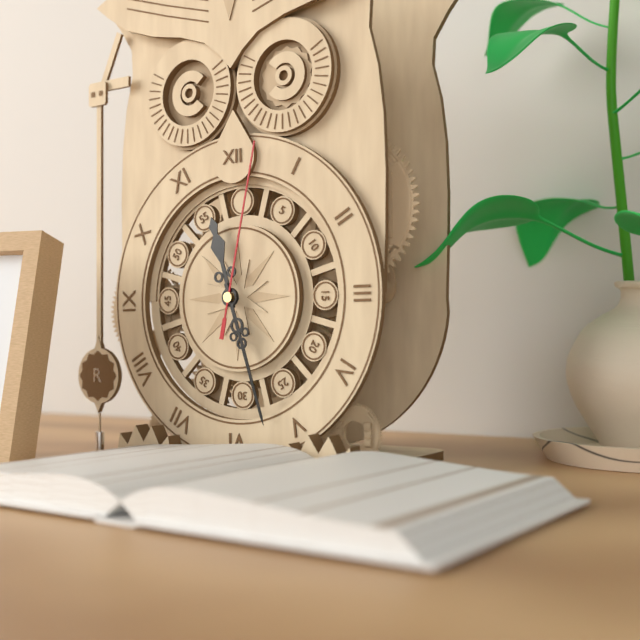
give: {"hour": 11, "minute": 27, "second": 2}
